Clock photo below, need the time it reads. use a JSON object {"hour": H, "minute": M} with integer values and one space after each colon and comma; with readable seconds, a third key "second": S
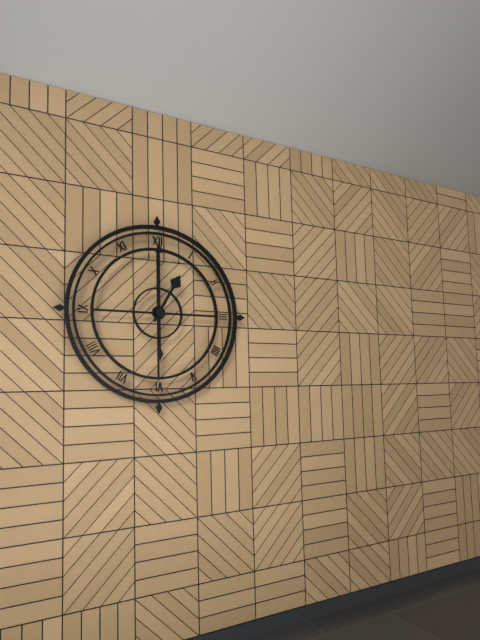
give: {"hour": 1, "minute": 0}
